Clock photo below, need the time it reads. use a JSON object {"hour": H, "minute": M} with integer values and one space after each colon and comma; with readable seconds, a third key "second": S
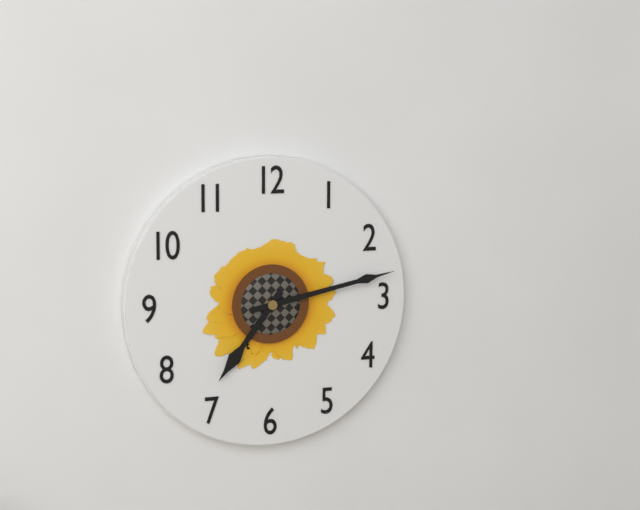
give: {"hour": 7, "minute": 13}
